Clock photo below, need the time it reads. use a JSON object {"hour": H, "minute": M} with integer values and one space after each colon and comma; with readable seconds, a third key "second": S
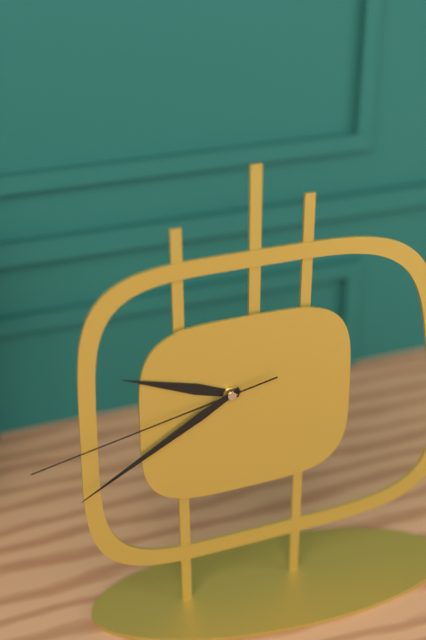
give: {"hour": 9, "minute": 40, "second": 43}
